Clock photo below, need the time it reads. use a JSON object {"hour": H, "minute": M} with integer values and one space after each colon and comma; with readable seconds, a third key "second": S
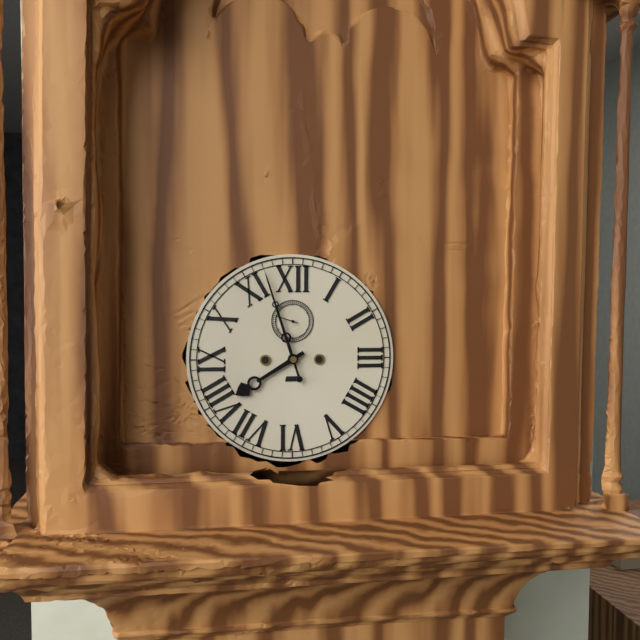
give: {"hour": 7, "minute": 57}
